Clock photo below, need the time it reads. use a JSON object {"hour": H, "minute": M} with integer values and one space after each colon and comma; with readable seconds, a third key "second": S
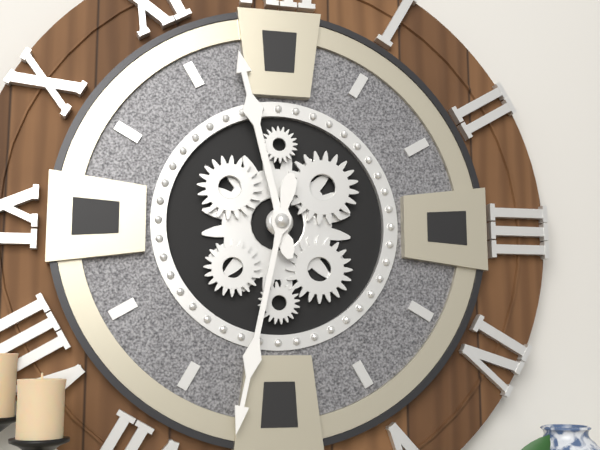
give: {"hour": 11, "minute": 32}
